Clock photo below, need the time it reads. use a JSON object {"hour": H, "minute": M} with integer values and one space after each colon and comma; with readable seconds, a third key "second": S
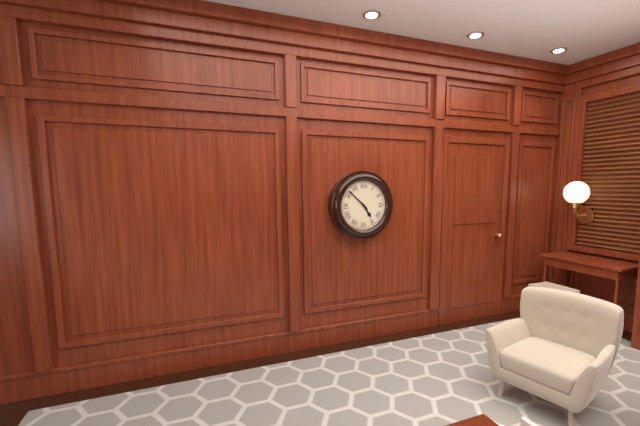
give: {"hour": 4, "minute": 52}
